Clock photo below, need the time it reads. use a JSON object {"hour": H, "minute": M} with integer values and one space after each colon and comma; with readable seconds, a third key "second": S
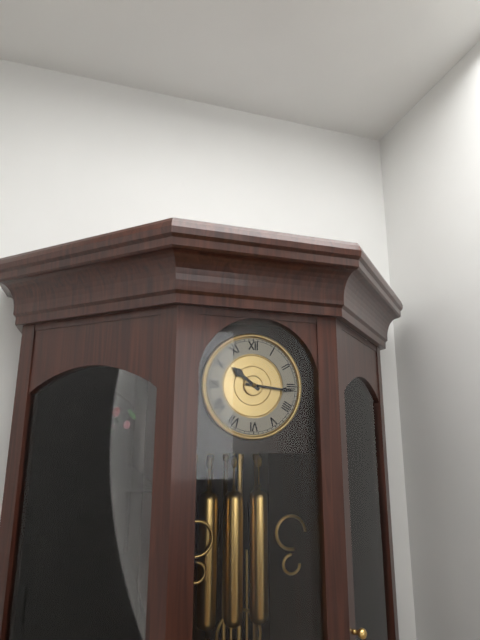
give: {"hour": 10, "minute": 16}
